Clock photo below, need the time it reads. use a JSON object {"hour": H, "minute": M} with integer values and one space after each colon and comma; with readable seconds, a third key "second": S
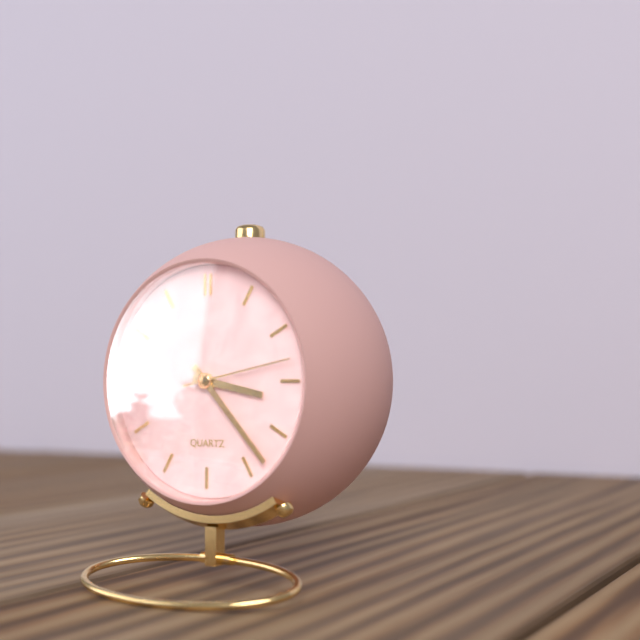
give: {"hour": 3, "minute": 23, "second": 13}
